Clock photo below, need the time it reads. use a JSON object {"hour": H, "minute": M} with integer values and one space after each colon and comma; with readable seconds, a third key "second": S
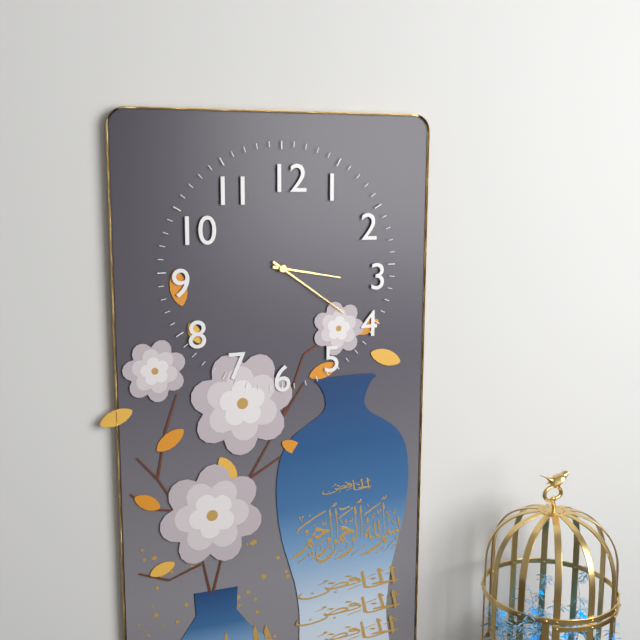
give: {"hour": 3, "minute": 21}
